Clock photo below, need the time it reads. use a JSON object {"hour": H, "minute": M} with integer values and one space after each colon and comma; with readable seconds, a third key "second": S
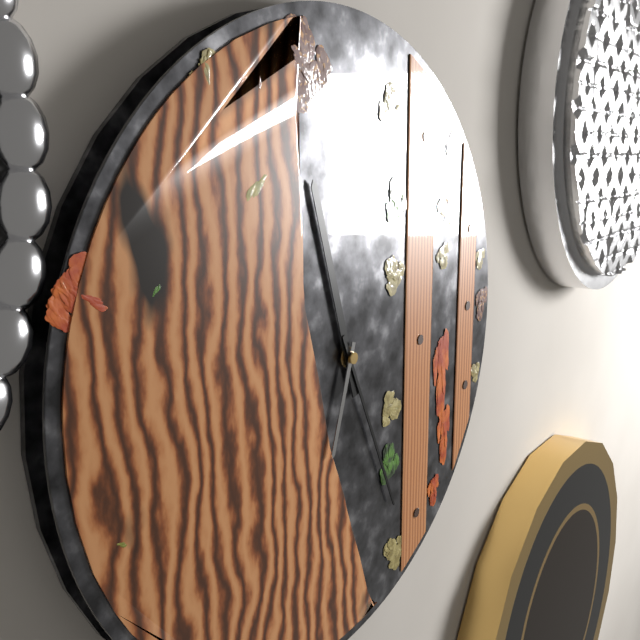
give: {"hour": 11, "minute": 26, "second": 33}
